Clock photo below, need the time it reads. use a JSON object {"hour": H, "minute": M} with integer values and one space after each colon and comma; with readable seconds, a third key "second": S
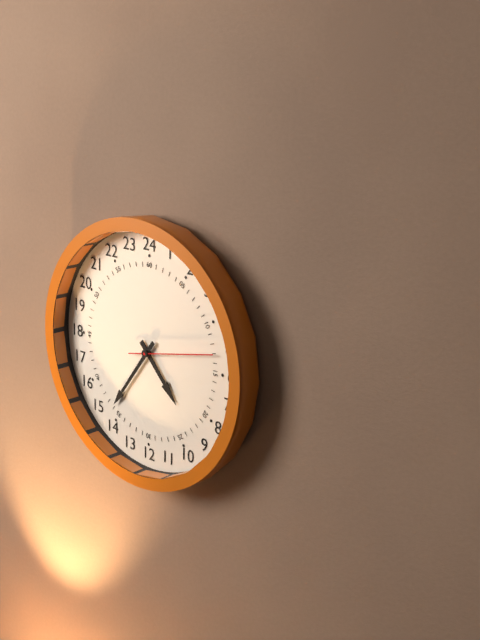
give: {"hour": 4, "minute": 36, "second": 13}
